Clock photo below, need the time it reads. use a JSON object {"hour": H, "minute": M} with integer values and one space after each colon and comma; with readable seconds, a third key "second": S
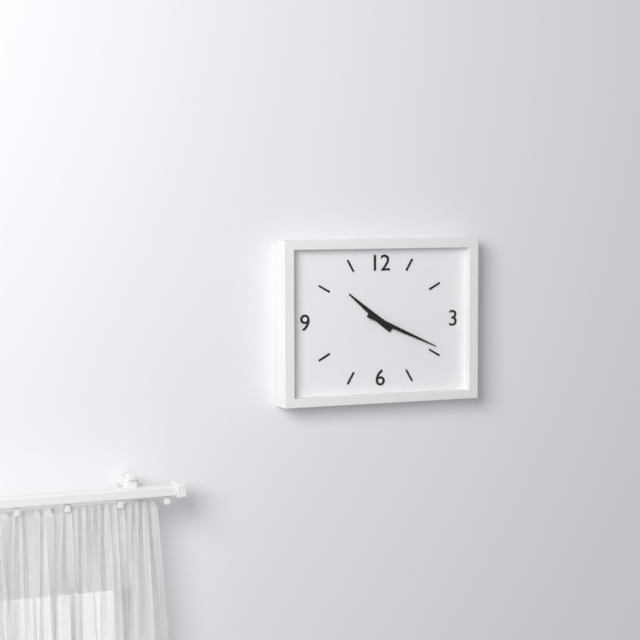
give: {"hour": 10, "minute": 19}
